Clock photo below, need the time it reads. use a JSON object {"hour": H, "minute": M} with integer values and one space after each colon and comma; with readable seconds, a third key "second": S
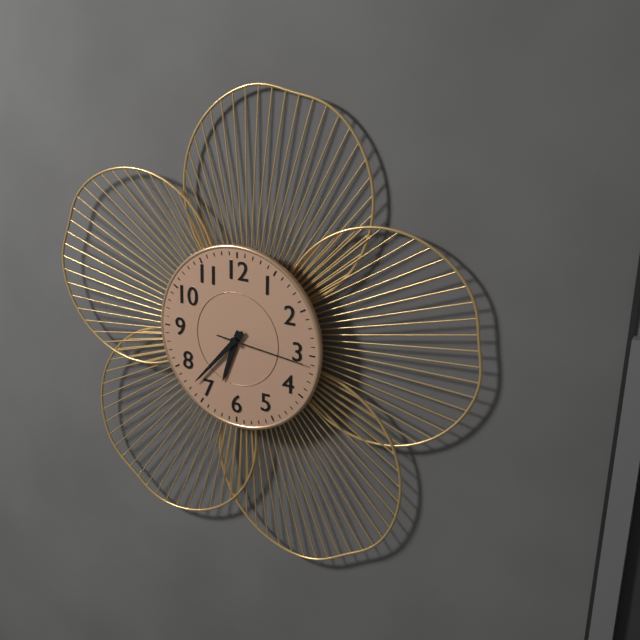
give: {"hour": 6, "minute": 37, "second": 16}
